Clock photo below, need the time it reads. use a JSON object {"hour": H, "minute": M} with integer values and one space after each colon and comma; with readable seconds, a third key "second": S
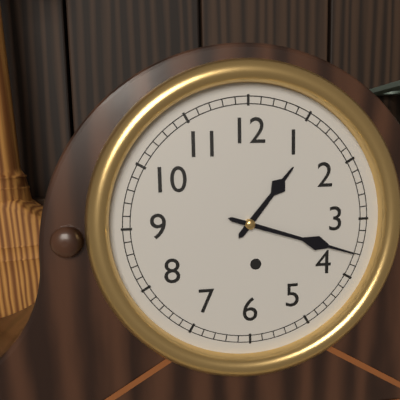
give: {"hour": 1, "minute": 18}
